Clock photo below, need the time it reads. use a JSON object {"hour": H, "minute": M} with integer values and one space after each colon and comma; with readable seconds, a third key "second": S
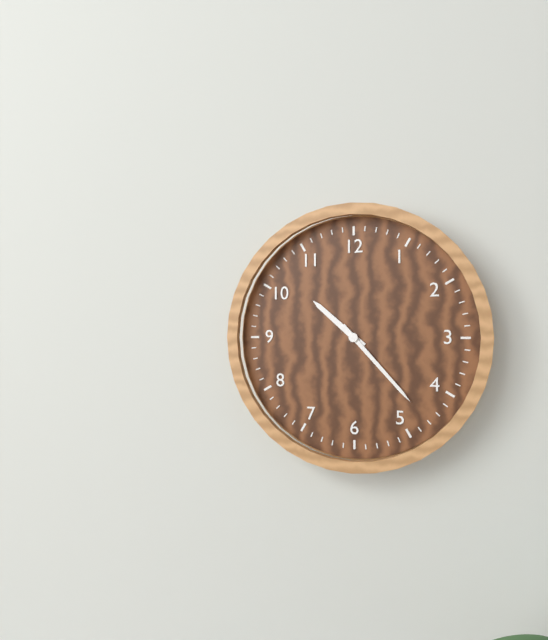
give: {"hour": 10, "minute": 23}
